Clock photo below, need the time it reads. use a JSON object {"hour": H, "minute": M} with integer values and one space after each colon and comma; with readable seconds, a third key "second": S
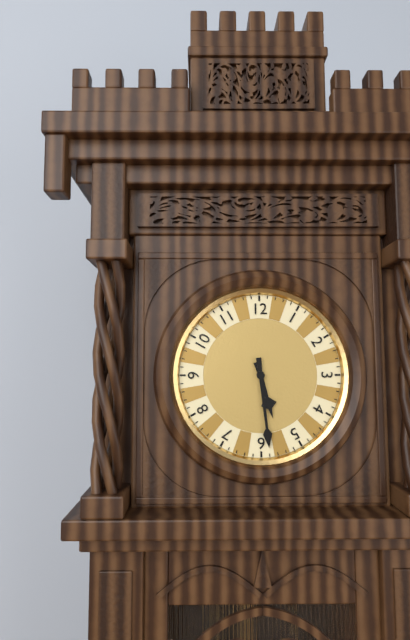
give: {"hour": 5, "minute": 29}
